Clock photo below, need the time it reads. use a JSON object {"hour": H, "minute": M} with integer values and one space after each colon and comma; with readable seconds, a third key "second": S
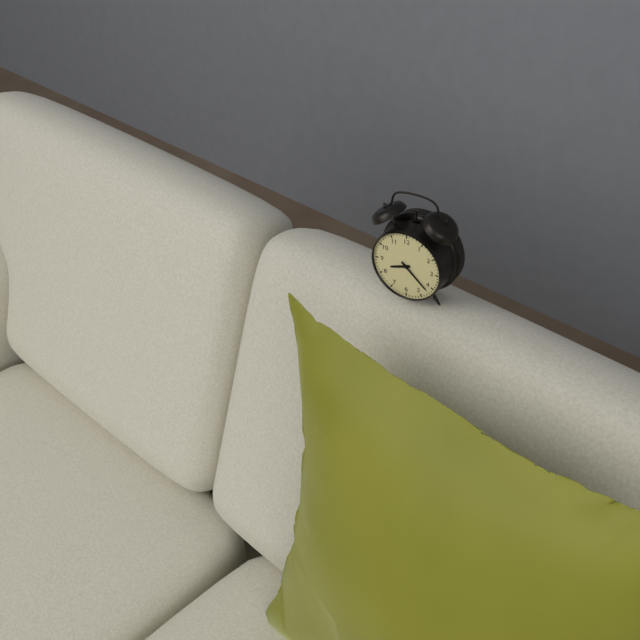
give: {"hour": 8, "minute": 22}
